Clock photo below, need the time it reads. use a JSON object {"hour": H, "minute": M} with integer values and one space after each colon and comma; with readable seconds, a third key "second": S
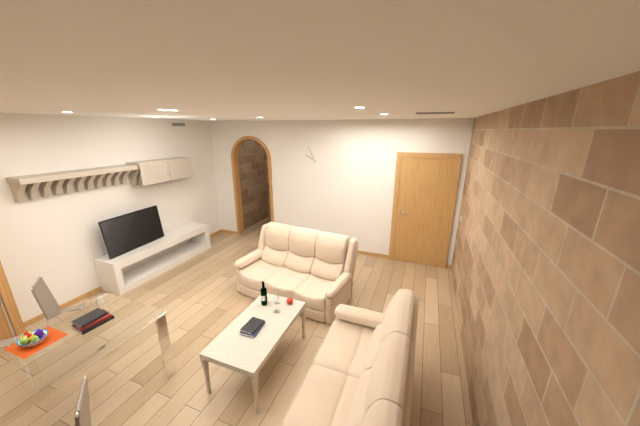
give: {"hour": 9, "minute": 56}
